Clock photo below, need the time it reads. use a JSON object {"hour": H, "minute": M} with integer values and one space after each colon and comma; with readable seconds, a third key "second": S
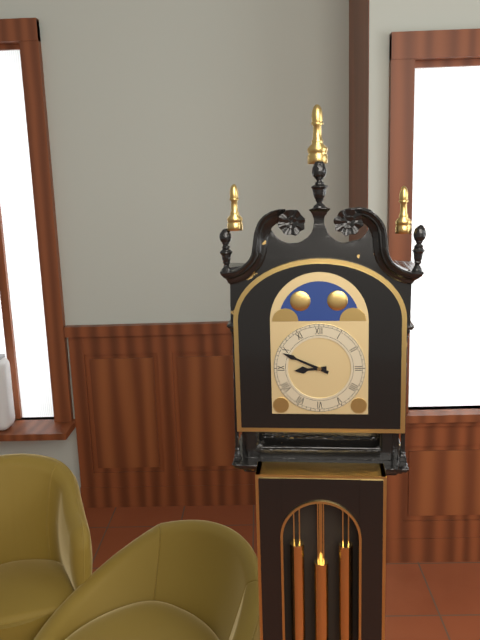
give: {"hour": 8, "minute": 49}
